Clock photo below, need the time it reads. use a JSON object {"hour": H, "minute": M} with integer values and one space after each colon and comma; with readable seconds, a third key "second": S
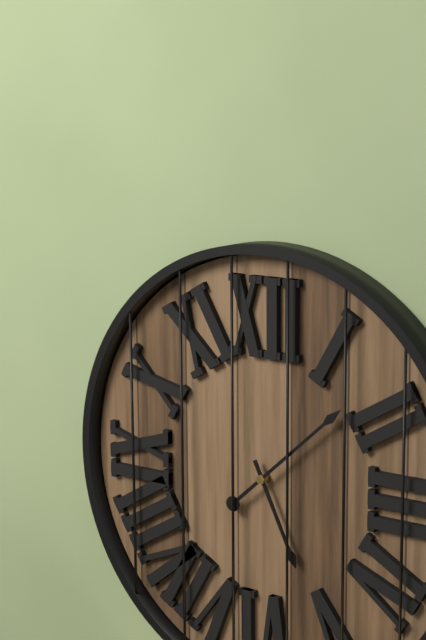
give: {"hour": 5, "minute": 8}
